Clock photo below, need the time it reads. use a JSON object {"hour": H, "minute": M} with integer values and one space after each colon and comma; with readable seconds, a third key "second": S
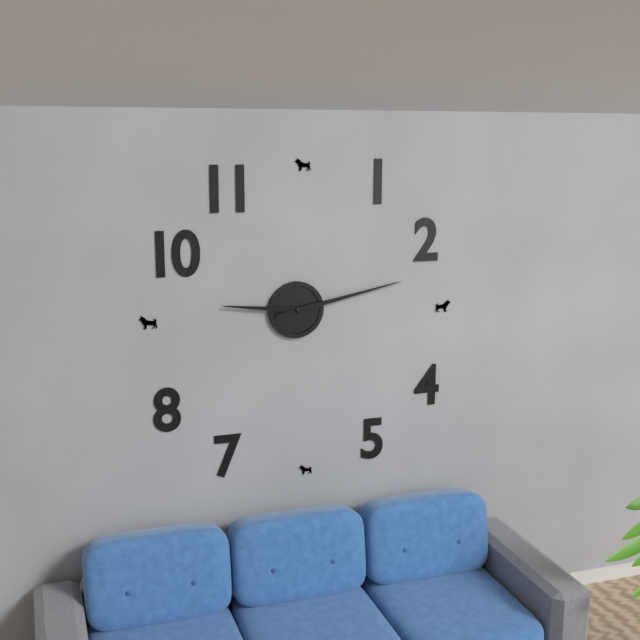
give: {"hour": 9, "minute": 13}
